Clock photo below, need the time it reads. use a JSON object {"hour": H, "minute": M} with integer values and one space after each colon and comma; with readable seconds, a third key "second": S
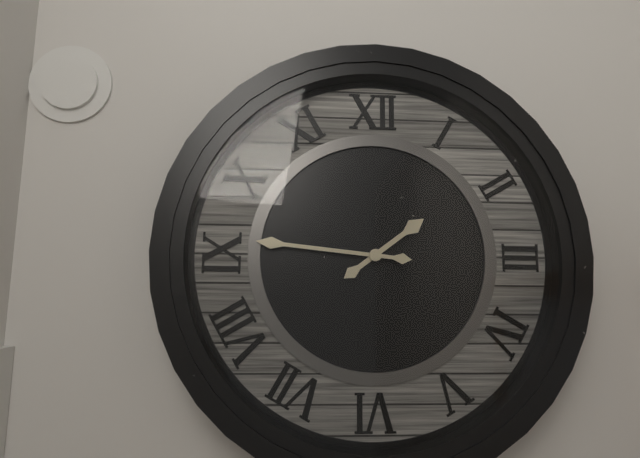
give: {"hour": 1, "minute": 46}
